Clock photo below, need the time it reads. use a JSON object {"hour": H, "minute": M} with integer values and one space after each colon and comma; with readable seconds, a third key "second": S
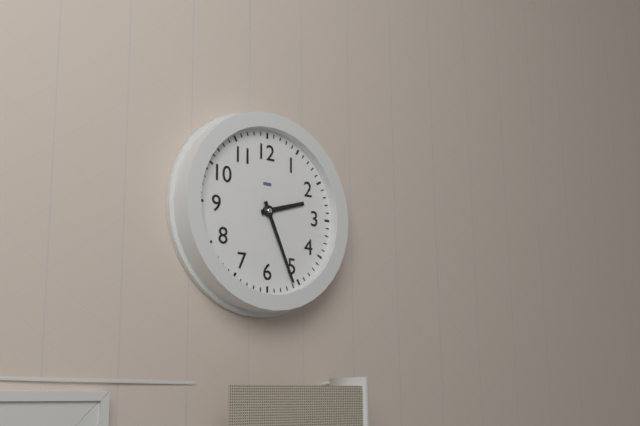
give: {"hour": 2, "minute": 26}
